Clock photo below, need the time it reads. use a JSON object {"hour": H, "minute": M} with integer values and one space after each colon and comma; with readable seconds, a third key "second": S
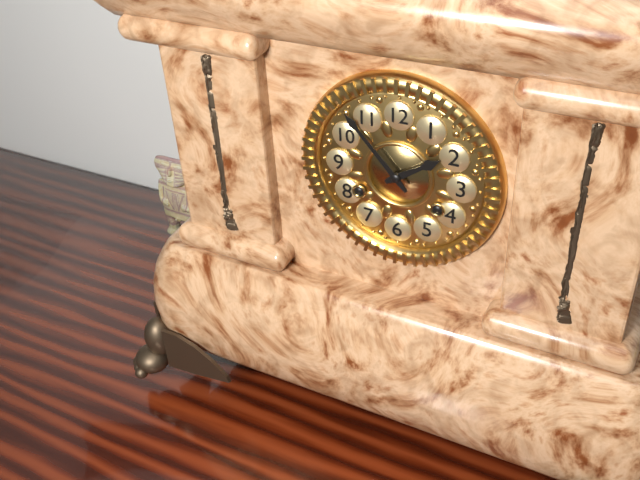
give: {"hour": 1, "minute": 53}
